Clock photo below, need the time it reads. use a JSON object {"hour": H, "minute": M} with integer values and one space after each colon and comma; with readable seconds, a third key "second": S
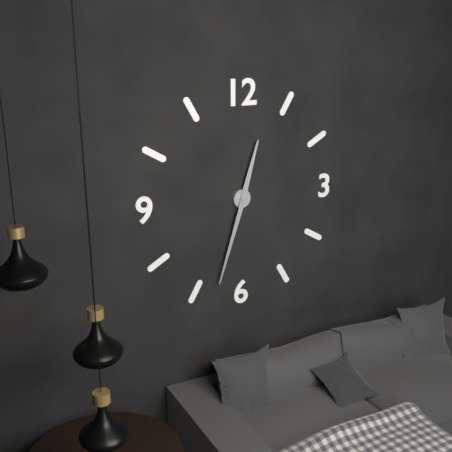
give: {"hour": 12, "minute": 33}
